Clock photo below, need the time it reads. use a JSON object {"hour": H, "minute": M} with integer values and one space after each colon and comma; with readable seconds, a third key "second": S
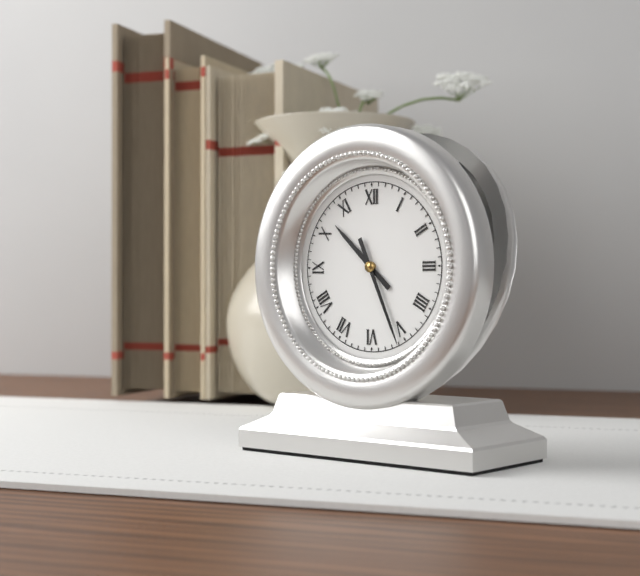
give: {"hour": 10, "minute": 26}
